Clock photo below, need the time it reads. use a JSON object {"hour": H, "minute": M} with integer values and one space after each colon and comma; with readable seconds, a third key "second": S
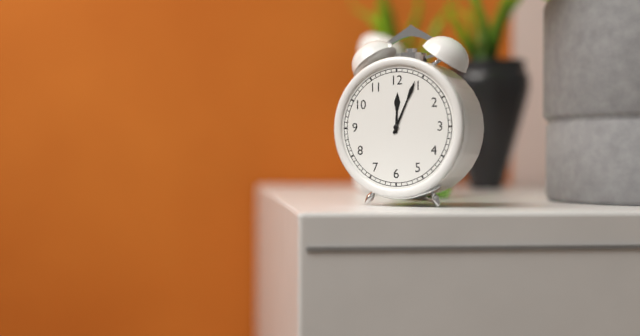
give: {"hour": 12, "minute": 4}
